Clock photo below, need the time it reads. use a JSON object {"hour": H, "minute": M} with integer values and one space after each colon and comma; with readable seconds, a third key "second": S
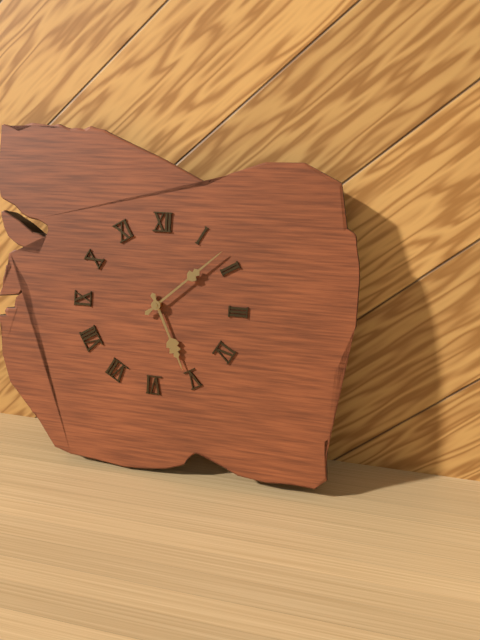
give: {"hour": 5, "minute": 8}
